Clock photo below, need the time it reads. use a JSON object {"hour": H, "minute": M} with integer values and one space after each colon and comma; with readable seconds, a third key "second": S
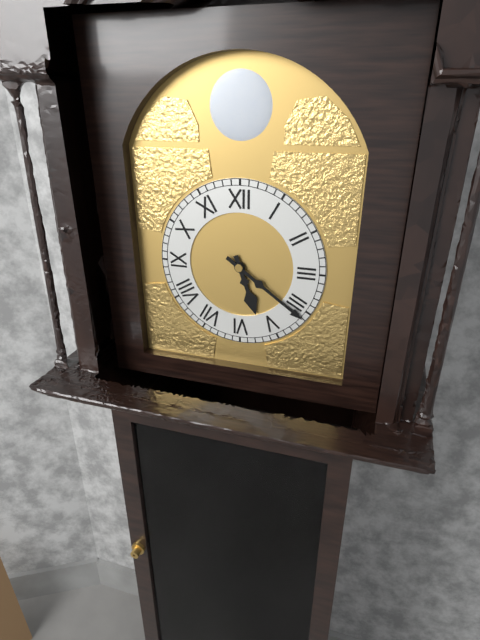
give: {"hour": 5, "minute": 21}
